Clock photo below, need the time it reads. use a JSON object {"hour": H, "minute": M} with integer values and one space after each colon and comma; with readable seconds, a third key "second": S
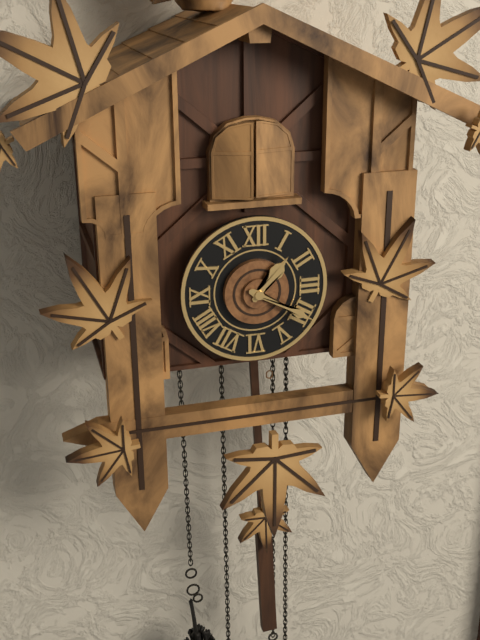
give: {"hour": 1, "minute": 20}
